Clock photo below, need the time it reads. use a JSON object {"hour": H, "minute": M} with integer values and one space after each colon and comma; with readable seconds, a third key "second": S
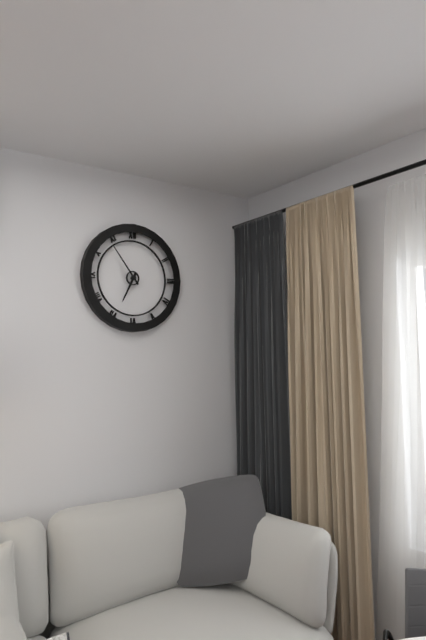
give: {"hour": 6, "minute": 54}
